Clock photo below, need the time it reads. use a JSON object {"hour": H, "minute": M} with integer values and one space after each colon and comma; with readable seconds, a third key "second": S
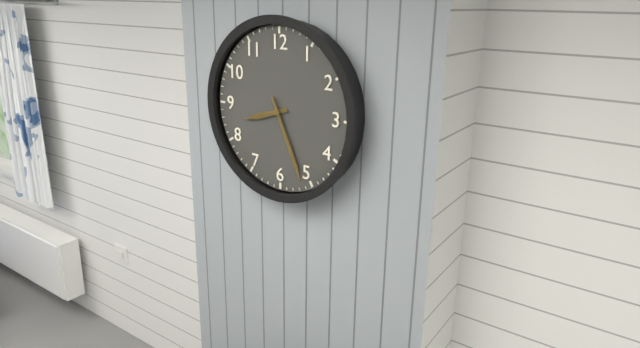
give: {"hour": 8, "minute": 26}
